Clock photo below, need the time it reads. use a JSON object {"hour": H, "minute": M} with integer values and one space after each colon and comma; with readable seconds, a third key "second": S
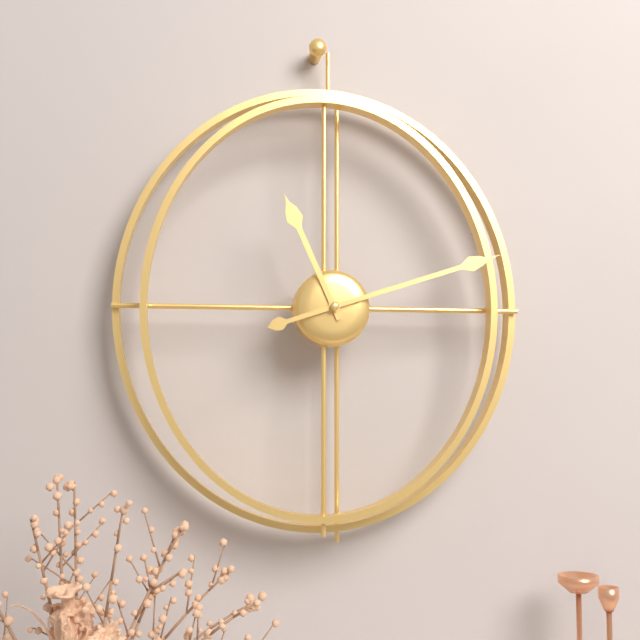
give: {"hour": 11, "minute": 12}
